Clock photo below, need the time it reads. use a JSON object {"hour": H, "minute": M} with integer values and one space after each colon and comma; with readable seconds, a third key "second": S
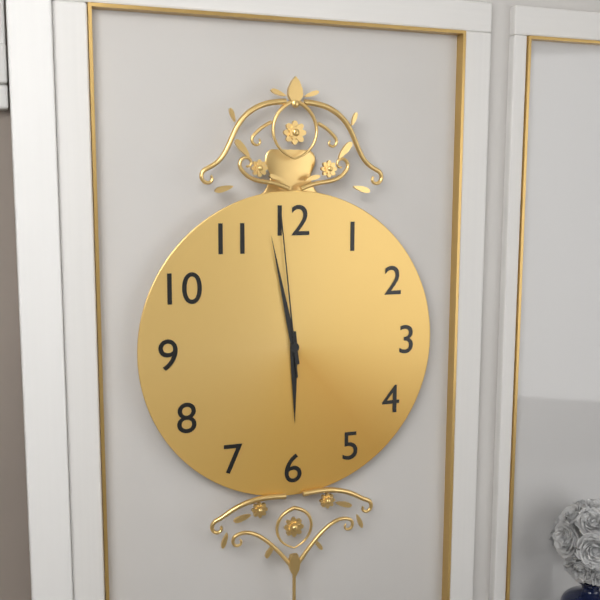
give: {"hour": 5, "minute": 58, "second": 59}
